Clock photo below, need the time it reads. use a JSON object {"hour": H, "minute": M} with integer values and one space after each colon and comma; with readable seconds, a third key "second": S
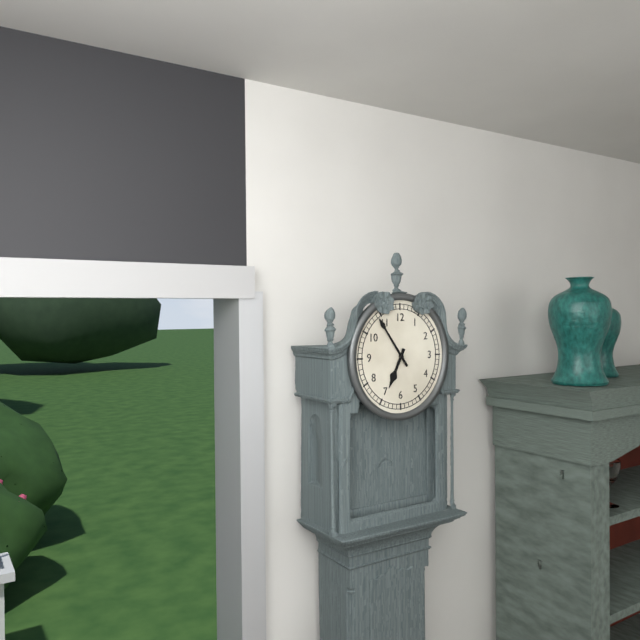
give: {"hour": 6, "minute": 54}
